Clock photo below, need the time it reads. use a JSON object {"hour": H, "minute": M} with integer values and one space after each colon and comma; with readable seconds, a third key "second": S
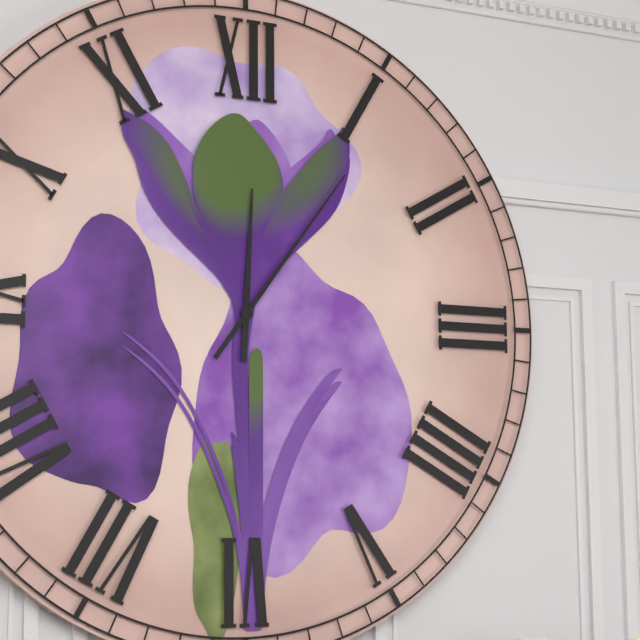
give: {"hour": 12, "minute": 6}
